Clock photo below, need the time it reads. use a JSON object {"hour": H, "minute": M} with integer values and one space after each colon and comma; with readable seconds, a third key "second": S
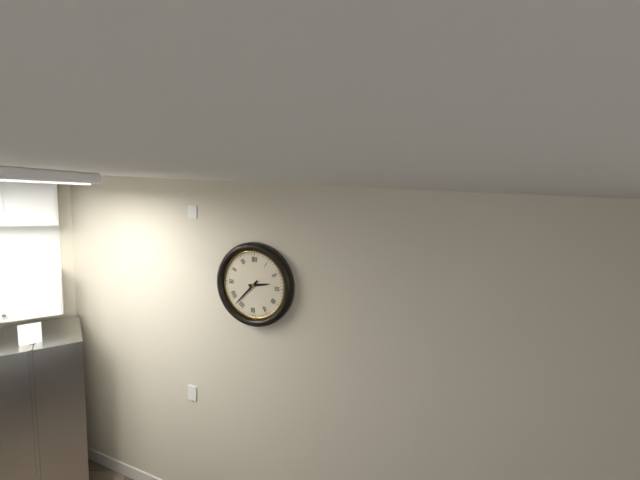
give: {"hour": 2, "minute": 37}
